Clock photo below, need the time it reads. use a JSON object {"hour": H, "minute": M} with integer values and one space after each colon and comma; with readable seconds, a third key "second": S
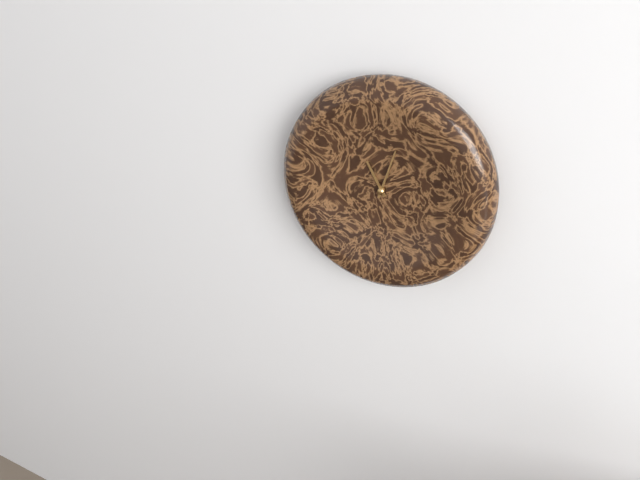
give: {"hour": 11, "minute": 3}
